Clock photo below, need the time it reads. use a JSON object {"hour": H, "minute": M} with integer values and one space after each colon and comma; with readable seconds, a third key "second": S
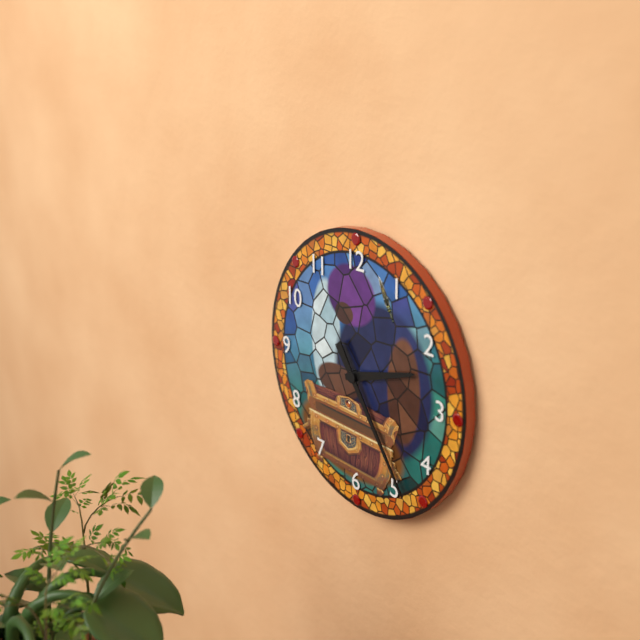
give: {"hour": 2, "minute": 24}
